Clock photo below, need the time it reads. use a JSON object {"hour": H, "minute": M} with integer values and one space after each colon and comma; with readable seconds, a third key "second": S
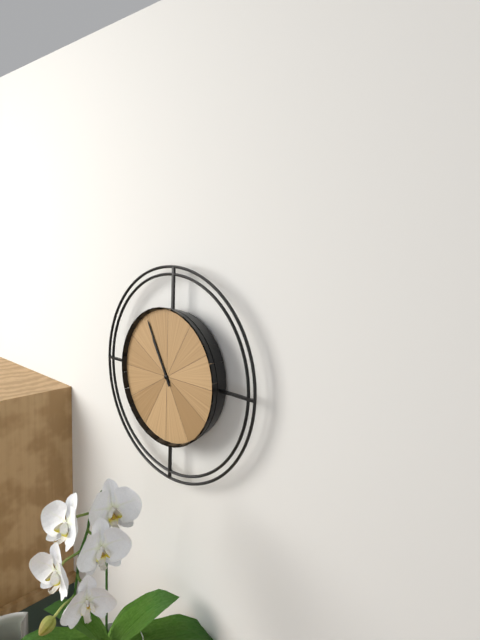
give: {"hour": 10, "minute": 55}
